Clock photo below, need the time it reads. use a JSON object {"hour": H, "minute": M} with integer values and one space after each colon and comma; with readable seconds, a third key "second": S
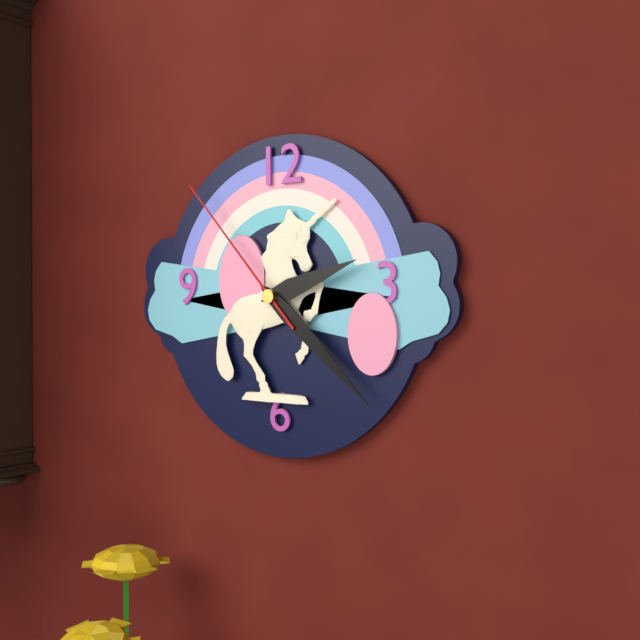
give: {"hour": 2, "minute": 22, "second": 53}
